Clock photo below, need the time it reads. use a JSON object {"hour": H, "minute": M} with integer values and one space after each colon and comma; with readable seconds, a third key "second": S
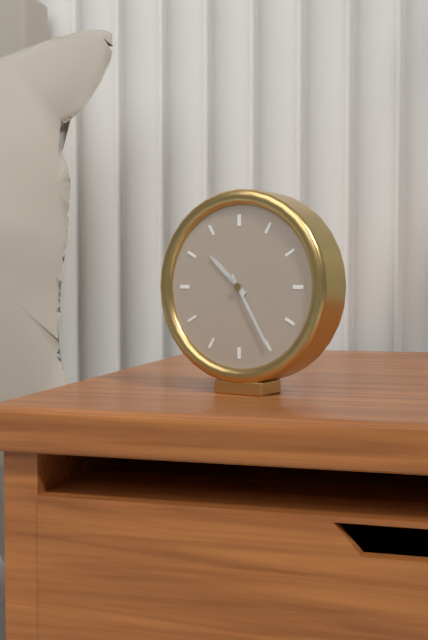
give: {"hour": 10, "minute": 25}
